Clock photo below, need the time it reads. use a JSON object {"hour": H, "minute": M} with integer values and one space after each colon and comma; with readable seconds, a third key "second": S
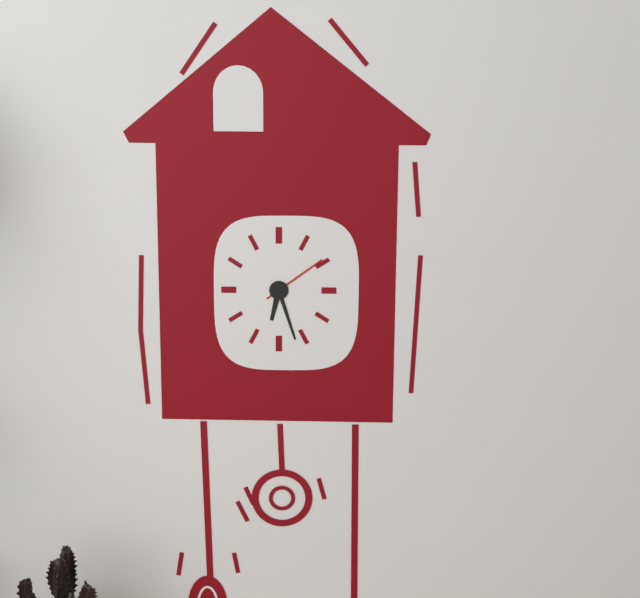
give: {"hour": 6, "minute": 27, "second": 9}
